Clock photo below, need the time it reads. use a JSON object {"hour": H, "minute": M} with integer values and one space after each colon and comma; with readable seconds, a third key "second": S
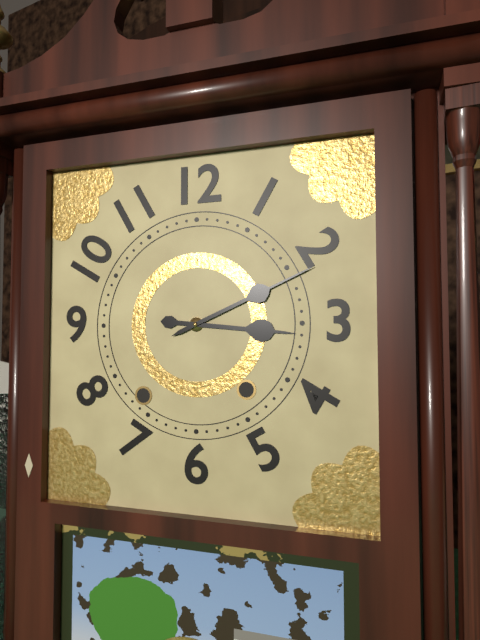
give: {"hour": 3, "minute": 11}
